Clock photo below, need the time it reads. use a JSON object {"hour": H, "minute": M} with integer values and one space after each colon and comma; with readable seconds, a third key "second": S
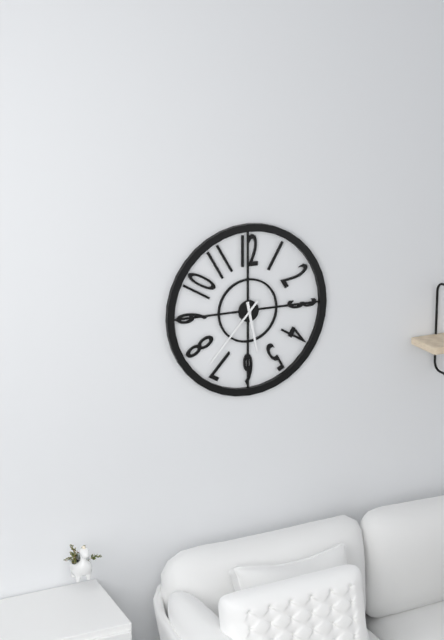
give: {"hour": 5, "minute": 37}
